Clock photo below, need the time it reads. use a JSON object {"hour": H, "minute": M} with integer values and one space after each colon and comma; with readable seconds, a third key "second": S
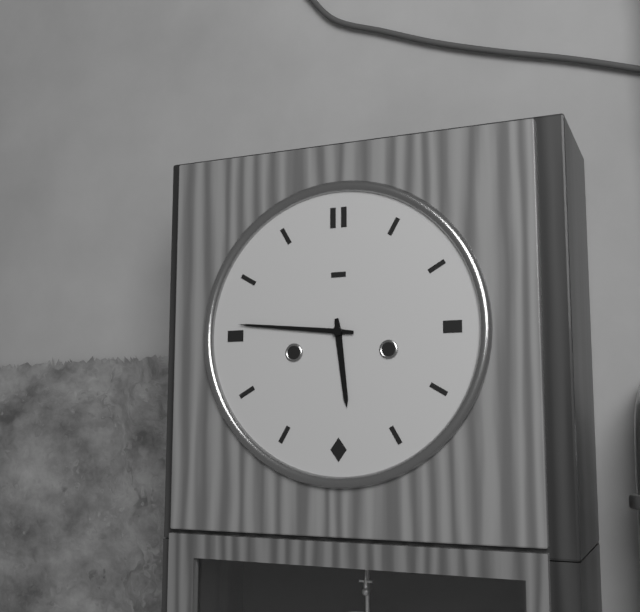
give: {"hour": 5, "minute": 46}
